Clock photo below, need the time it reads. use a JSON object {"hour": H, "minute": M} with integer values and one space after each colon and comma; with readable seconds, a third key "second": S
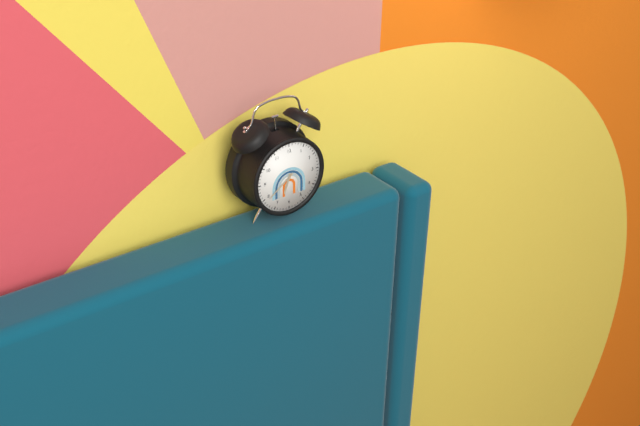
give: {"hour": 6, "minute": 39}
